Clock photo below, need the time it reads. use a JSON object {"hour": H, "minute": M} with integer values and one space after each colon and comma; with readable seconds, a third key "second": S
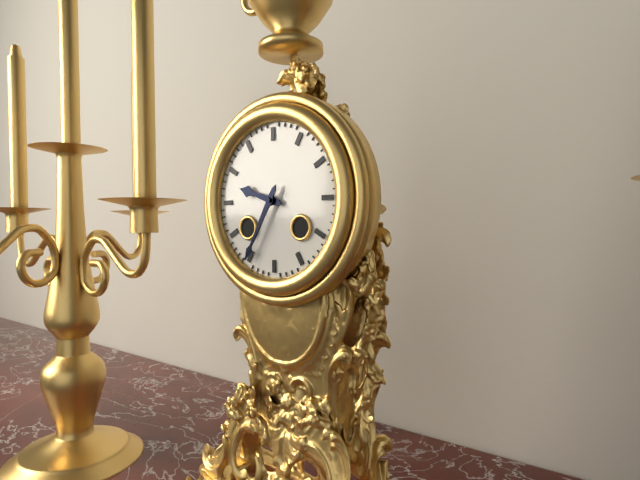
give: {"hour": 9, "minute": 35}
